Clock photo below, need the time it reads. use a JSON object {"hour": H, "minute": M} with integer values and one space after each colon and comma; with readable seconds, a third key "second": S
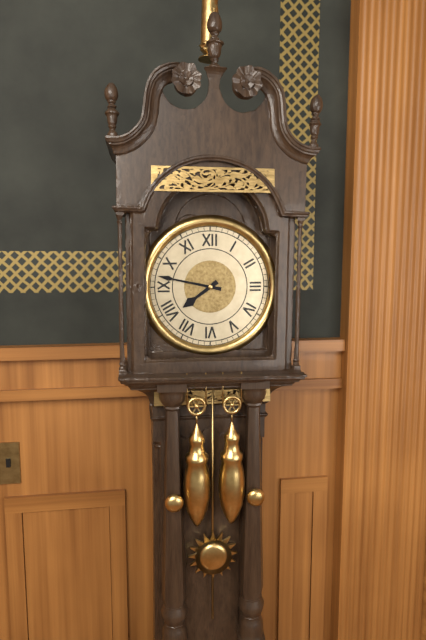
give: {"hour": 7, "minute": 47}
